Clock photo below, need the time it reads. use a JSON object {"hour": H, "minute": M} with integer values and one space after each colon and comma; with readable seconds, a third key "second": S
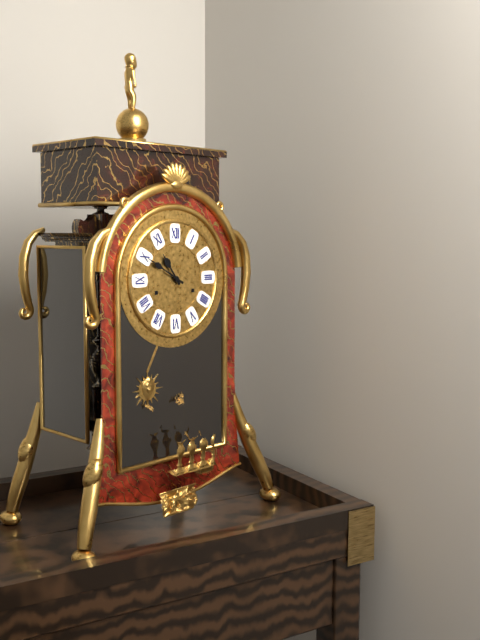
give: {"hour": 10, "minute": 50}
